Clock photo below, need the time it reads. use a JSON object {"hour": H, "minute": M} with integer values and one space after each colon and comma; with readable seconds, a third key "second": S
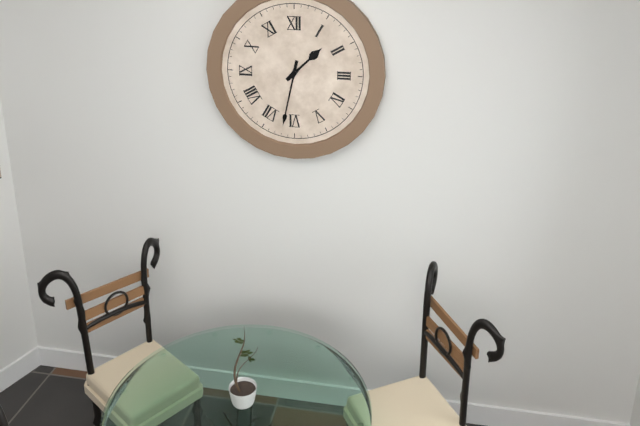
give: {"hour": 1, "minute": 32}
